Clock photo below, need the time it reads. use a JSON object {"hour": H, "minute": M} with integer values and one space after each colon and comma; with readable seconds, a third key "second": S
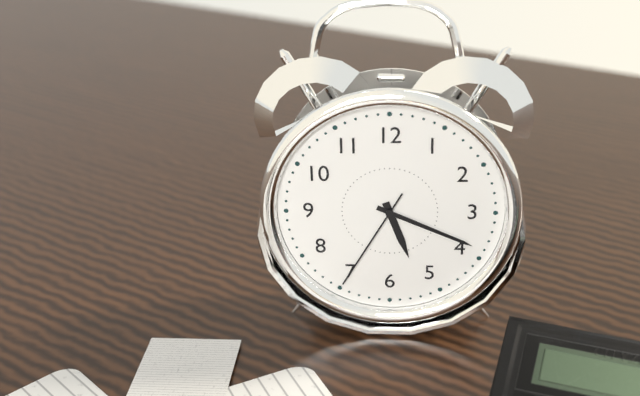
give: {"hour": 5, "minute": 19, "second": 35}
